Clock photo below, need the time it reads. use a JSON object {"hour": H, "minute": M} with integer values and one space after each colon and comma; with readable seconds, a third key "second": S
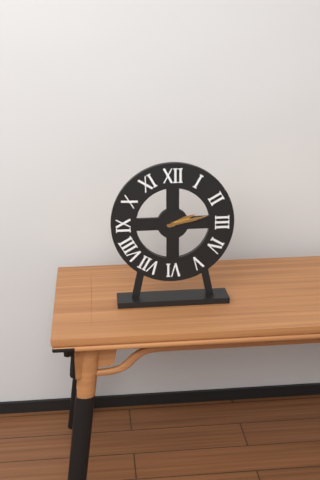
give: {"hour": 2, "minute": 13}
